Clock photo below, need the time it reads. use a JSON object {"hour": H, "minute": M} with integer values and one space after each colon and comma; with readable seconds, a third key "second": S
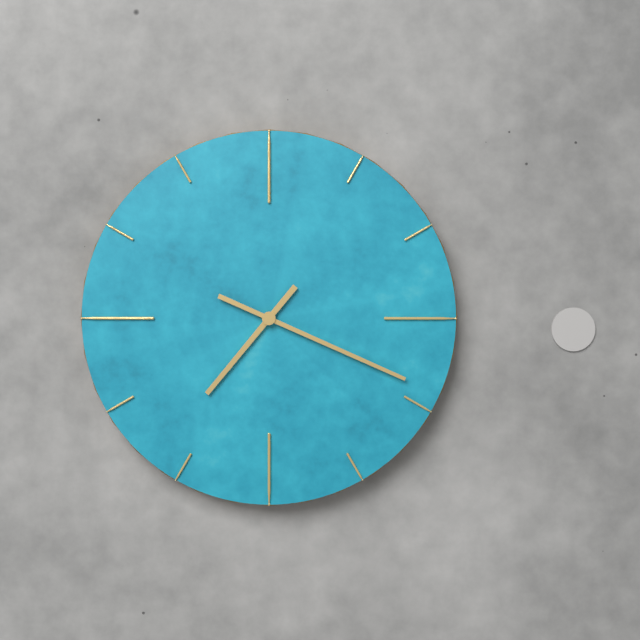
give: {"hour": 7, "minute": 19}
